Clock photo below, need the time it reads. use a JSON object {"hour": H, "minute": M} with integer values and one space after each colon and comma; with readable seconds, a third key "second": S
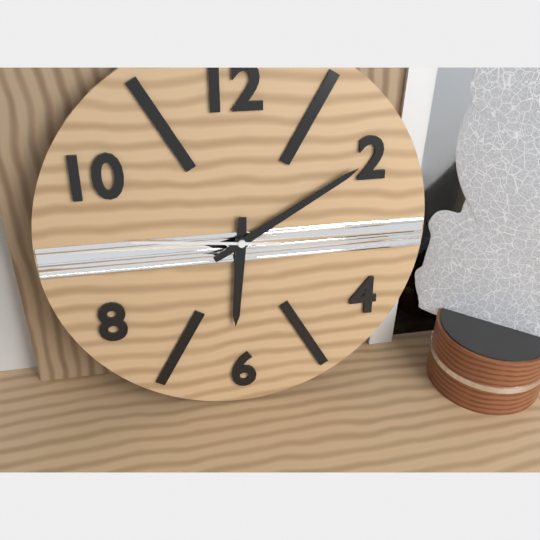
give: {"hour": 6, "minute": 10, "second": 46}
